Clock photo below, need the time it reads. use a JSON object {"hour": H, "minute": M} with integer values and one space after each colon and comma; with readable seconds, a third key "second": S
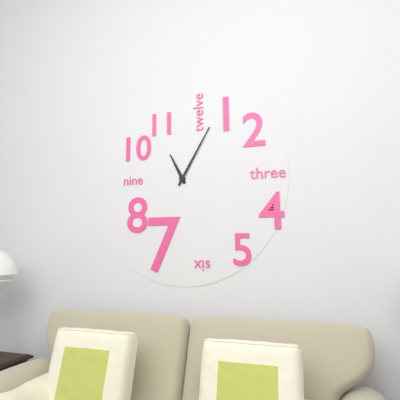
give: {"hour": 11, "minute": 5}
